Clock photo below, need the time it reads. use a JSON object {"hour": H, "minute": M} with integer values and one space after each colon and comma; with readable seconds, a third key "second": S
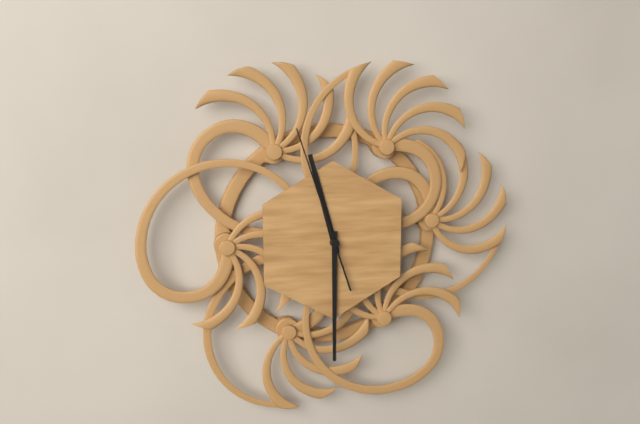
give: {"hour": 11, "minute": 30, "second": 57}
